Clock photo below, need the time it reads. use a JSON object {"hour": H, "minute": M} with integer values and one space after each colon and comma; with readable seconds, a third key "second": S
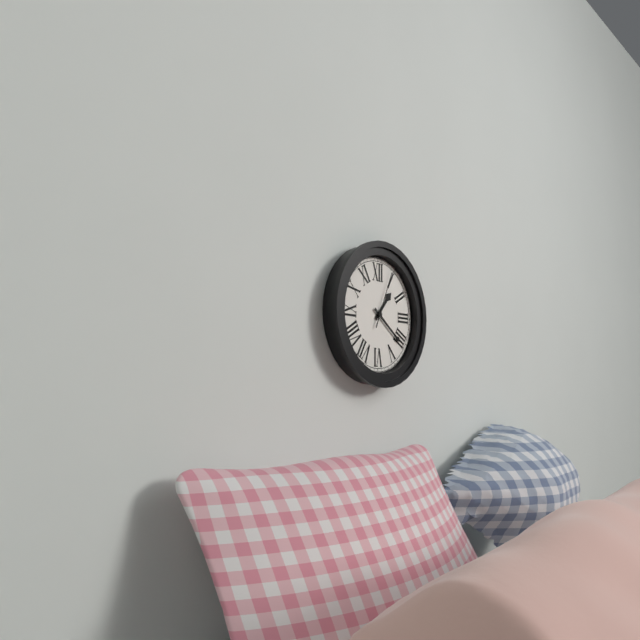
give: {"hour": 1, "minute": 21, "second": 4}
